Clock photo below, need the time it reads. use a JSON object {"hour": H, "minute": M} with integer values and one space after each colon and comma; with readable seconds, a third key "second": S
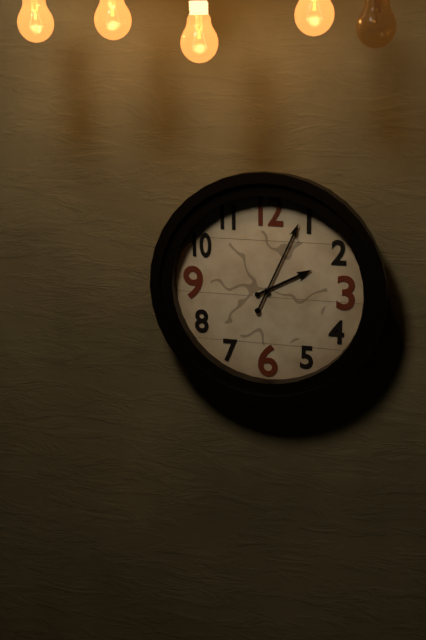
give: {"hour": 2, "minute": 4}
